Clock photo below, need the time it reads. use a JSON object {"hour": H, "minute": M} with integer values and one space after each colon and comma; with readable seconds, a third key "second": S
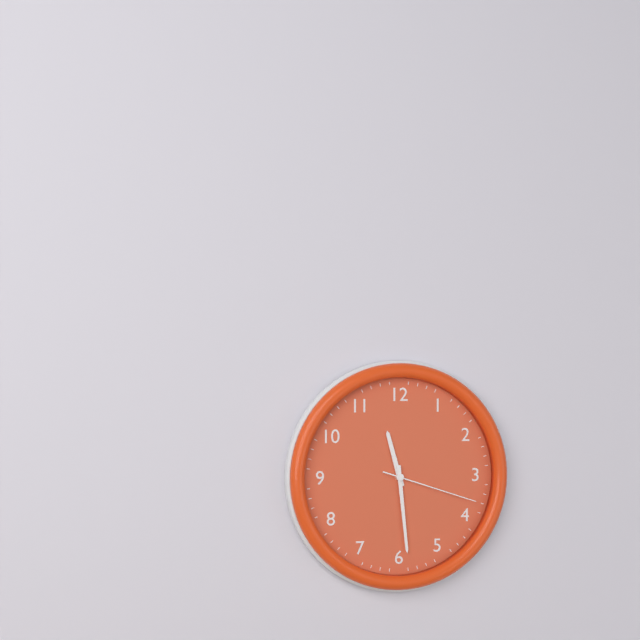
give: {"hour": 11, "minute": 29, "second": 18}
